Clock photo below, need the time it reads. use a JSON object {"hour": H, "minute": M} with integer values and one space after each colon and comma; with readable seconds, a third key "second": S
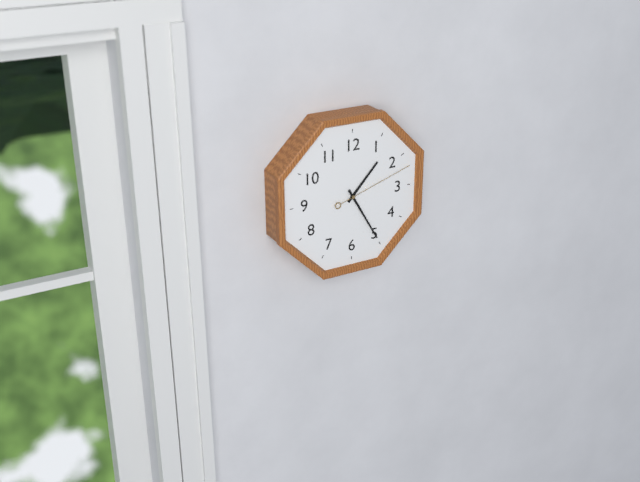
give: {"hour": 1, "minute": 25, "second": 12}
